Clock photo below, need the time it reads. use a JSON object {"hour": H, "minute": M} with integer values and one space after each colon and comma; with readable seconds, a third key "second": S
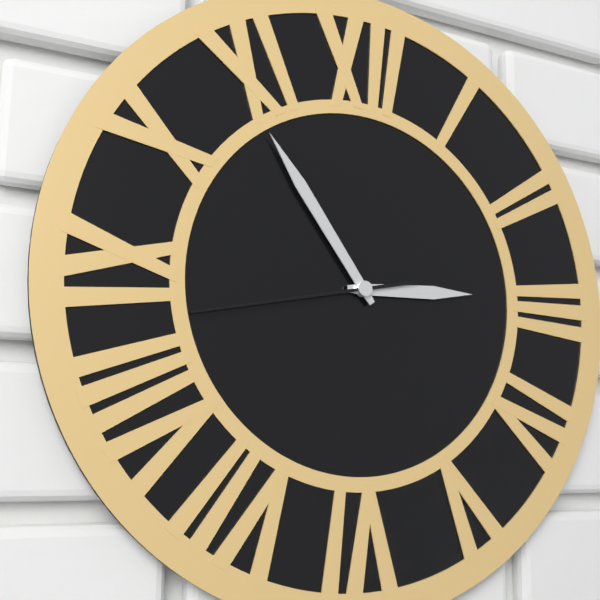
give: {"hour": 2, "minute": 54, "second": 43}
